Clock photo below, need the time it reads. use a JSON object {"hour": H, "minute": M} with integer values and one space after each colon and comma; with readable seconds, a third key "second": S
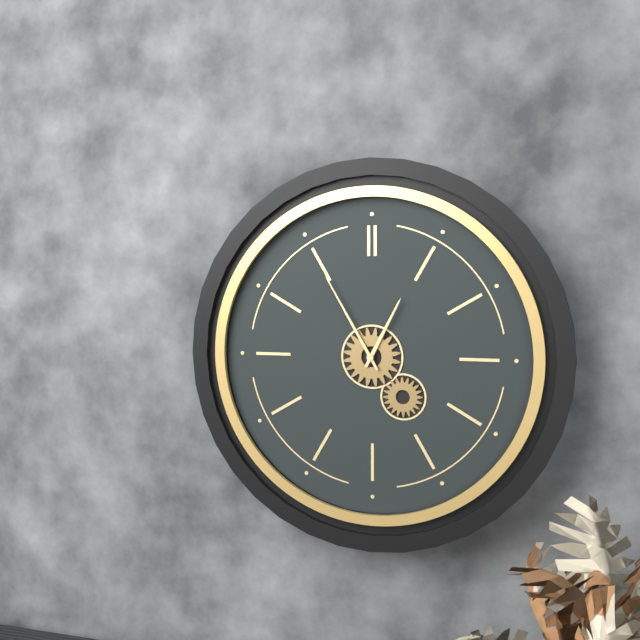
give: {"hour": 12, "minute": 55}
